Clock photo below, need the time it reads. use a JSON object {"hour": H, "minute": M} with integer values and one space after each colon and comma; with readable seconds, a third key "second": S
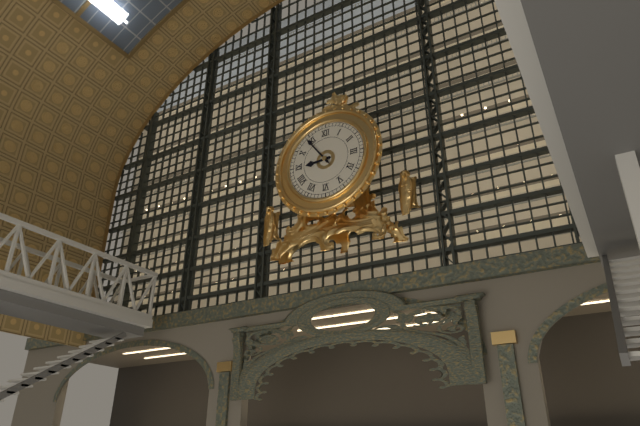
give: {"hour": 8, "minute": 54}
